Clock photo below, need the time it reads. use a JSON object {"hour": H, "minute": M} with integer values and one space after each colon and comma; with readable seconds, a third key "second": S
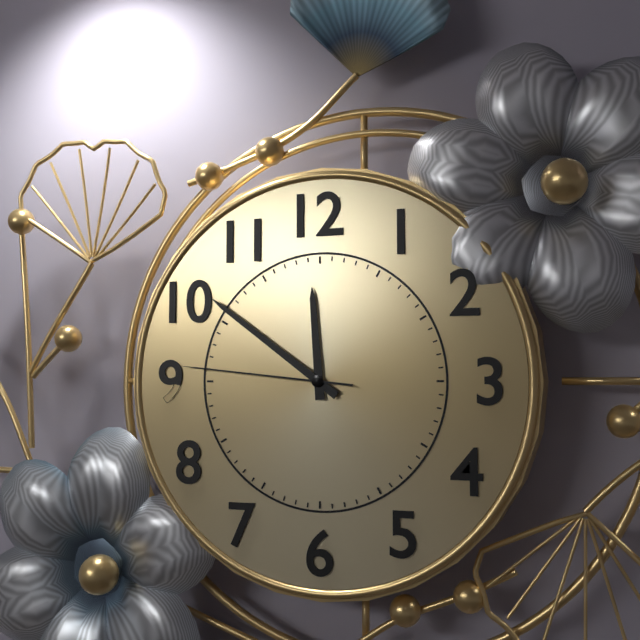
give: {"hour": 11, "minute": 51, "second": 46}
